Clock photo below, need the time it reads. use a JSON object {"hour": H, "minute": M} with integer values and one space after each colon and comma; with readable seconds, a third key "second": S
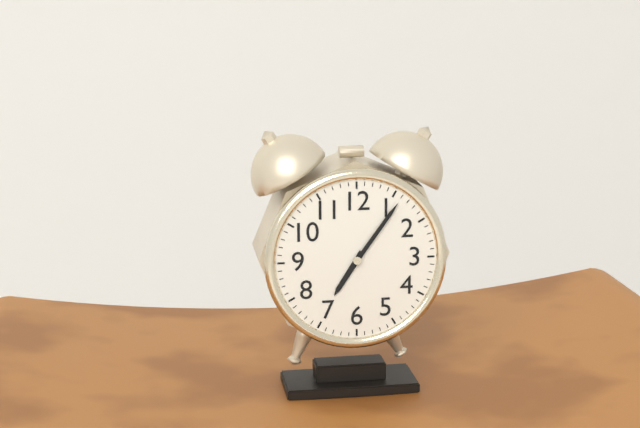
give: {"hour": 7, "minute": 6}
